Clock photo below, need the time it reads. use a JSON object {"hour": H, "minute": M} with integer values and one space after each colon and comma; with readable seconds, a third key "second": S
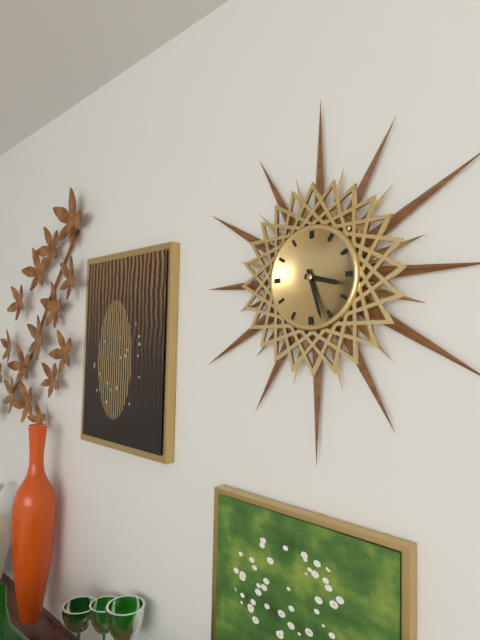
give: {"hour": 3, "minute": 27}
